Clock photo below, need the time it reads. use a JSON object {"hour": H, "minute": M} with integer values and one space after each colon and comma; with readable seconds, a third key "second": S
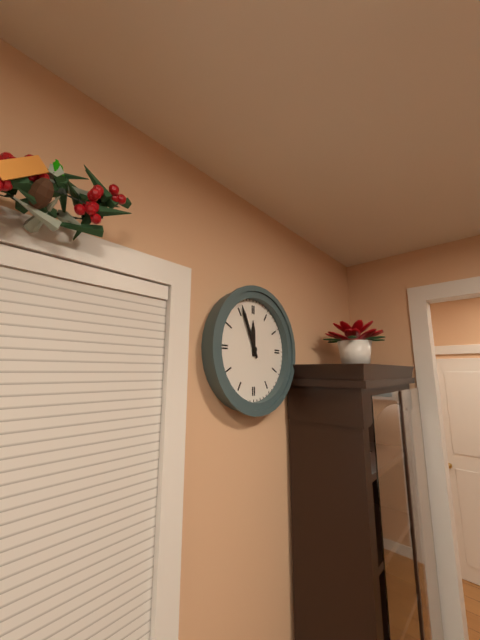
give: {"hour": 11, "minute": 56}
